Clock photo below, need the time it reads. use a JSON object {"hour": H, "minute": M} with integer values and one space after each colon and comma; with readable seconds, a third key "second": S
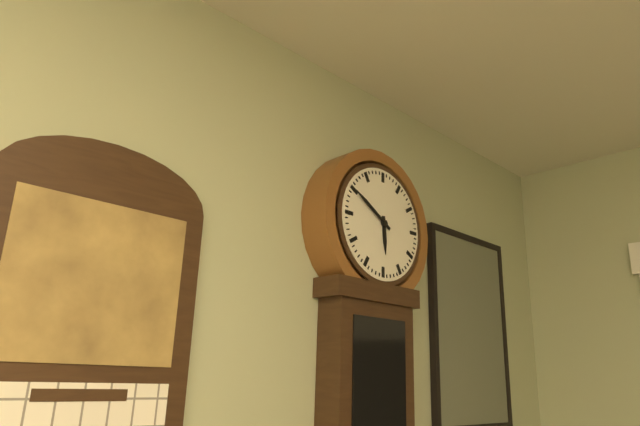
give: {"hour": 5, "minute": 50}
